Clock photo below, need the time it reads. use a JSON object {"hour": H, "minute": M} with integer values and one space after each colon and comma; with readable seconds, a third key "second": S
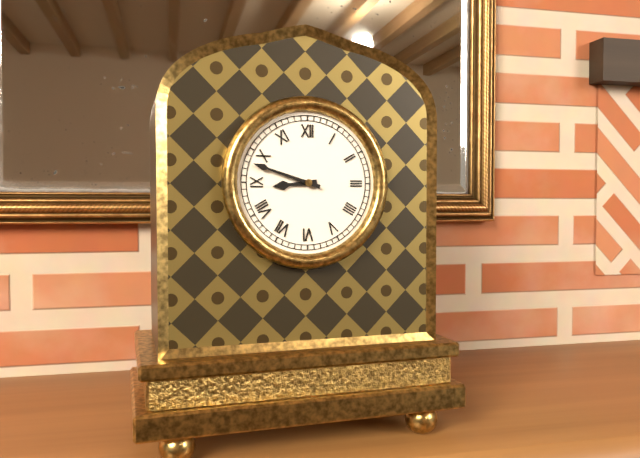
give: {"hour": 8, "minute": 48}
